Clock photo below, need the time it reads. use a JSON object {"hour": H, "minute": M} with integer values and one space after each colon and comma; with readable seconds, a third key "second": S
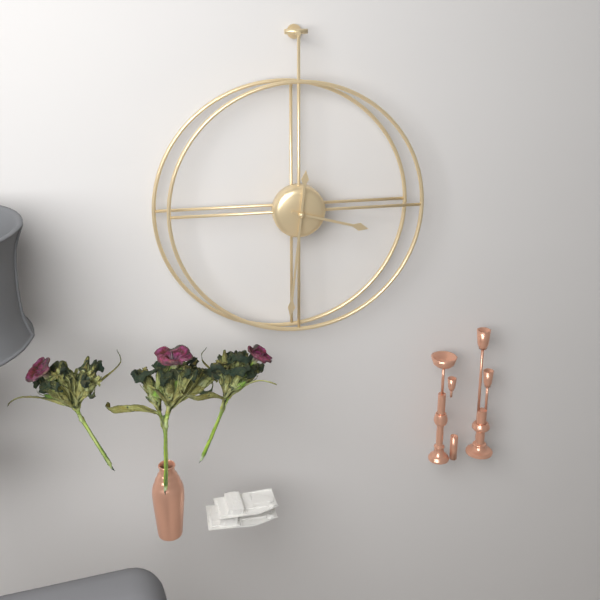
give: {"hour": 3, "minute": 31}
